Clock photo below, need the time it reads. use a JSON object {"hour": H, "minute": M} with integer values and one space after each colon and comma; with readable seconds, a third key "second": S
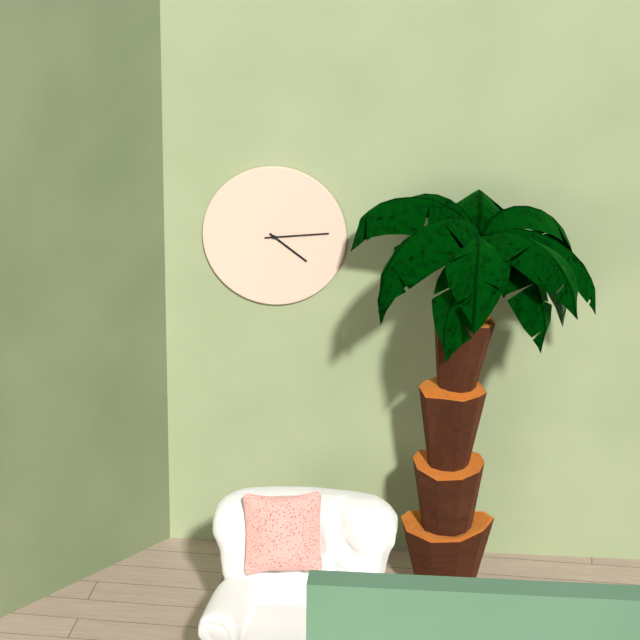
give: {"hour": 4, "minute": 14}
